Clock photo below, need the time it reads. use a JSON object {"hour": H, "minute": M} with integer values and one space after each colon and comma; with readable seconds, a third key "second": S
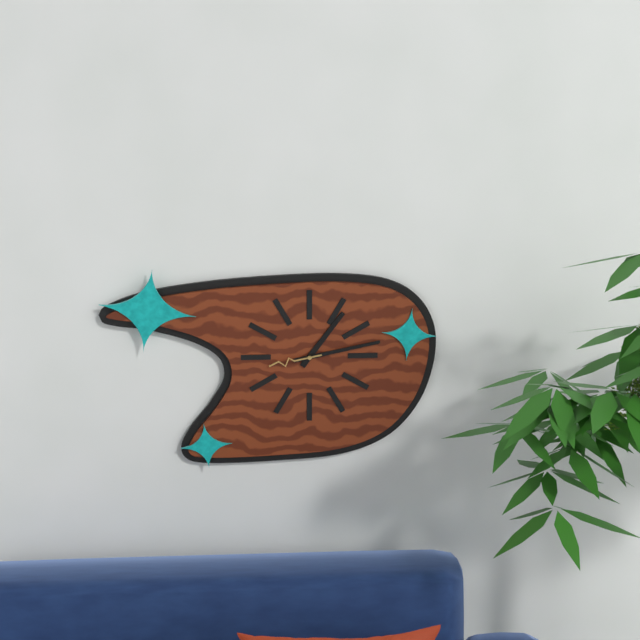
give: {"hour": 1, "minute": 13, "second": 43}
